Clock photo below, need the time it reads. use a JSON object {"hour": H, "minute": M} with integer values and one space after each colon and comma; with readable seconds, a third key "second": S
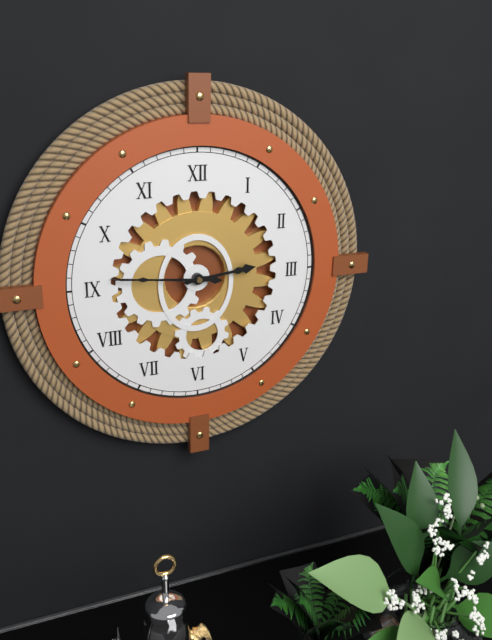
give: {"hour": 2, "minute": 46}
